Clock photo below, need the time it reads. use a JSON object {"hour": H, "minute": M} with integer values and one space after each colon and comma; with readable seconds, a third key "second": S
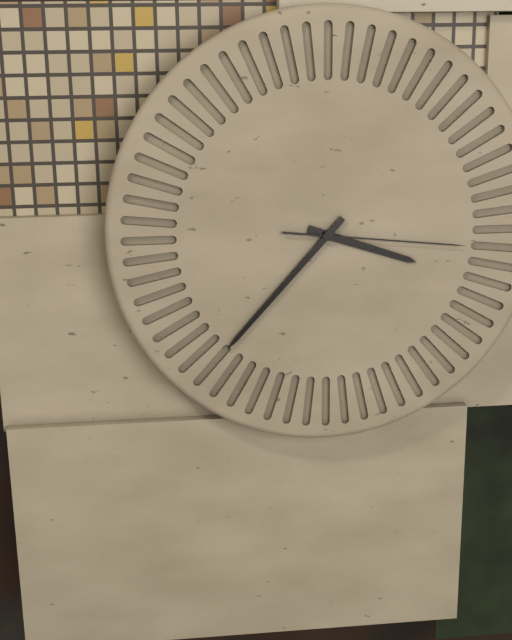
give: {"hour": 3, "minute": 37, "second": 16}
